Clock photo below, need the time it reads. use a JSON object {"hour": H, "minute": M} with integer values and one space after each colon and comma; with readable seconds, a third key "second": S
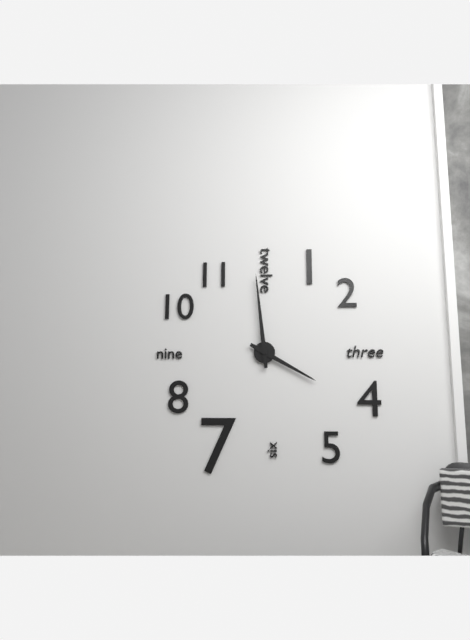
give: {"hour": 3, "minute": 59}
